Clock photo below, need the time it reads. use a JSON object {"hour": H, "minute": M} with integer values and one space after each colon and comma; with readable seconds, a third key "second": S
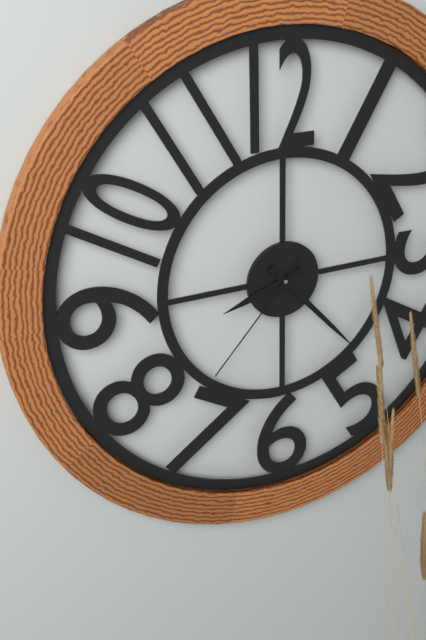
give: {"hour": 8, "minute": 23, "second": 37}
